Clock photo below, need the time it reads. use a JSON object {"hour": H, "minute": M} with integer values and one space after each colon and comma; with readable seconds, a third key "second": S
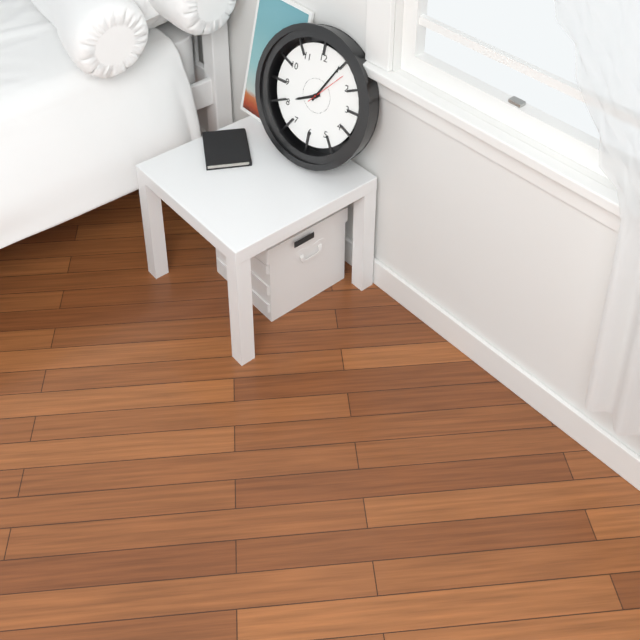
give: {"hour": 8, "minute": 5}
